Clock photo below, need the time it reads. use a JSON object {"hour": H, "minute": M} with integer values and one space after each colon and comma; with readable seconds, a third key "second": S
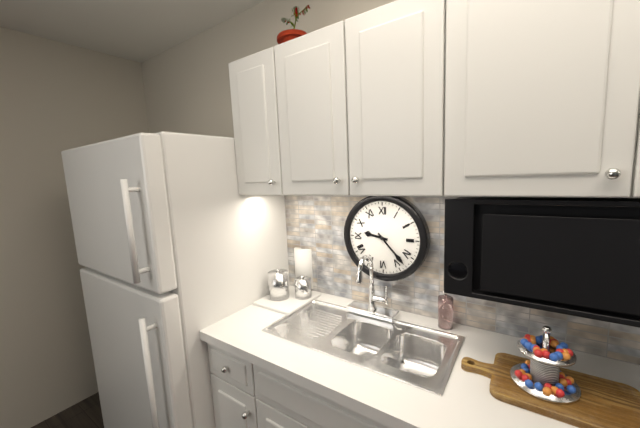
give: {"hour": 9, "minute": 23}
